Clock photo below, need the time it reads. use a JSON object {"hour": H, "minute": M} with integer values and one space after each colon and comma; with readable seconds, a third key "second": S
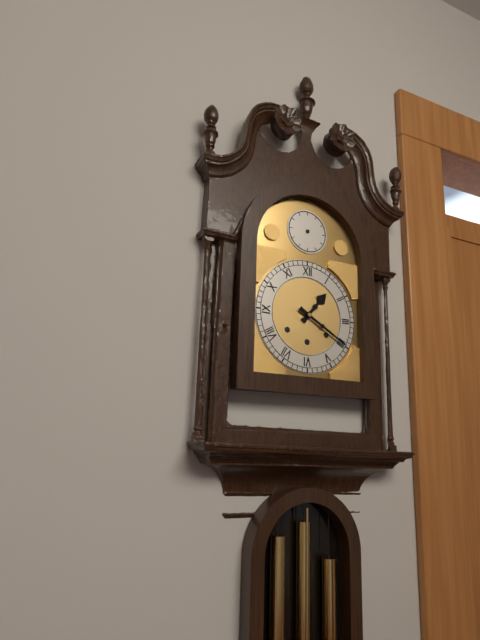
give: {"hour": 1, "minute": 20}
